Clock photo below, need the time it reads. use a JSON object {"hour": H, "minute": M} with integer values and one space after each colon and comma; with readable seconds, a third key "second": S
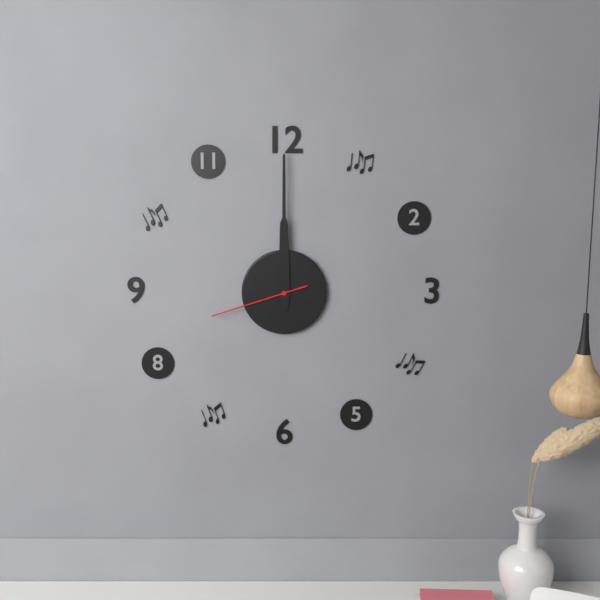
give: {"hour": 12, "minute": 0, "second": 42}
